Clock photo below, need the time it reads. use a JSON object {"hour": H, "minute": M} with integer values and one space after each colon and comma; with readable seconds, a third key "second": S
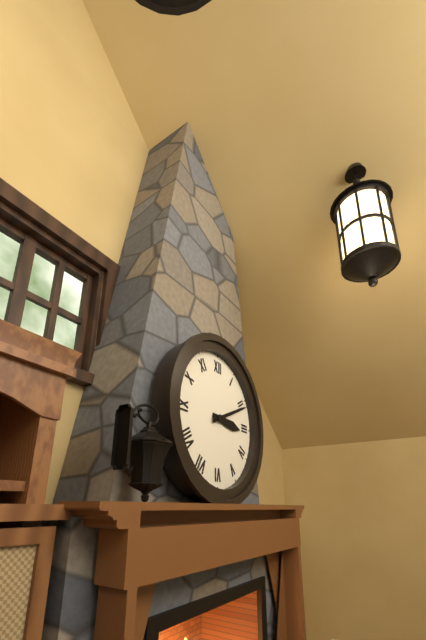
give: {"hour": 3, "minute": 11}
